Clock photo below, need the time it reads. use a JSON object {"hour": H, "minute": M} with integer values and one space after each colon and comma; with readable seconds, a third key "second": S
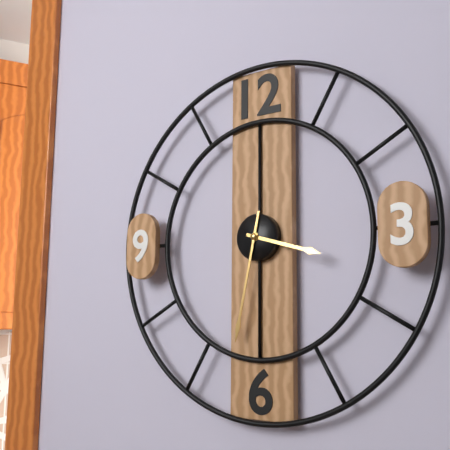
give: {"hour": 3, "minute": 32}
